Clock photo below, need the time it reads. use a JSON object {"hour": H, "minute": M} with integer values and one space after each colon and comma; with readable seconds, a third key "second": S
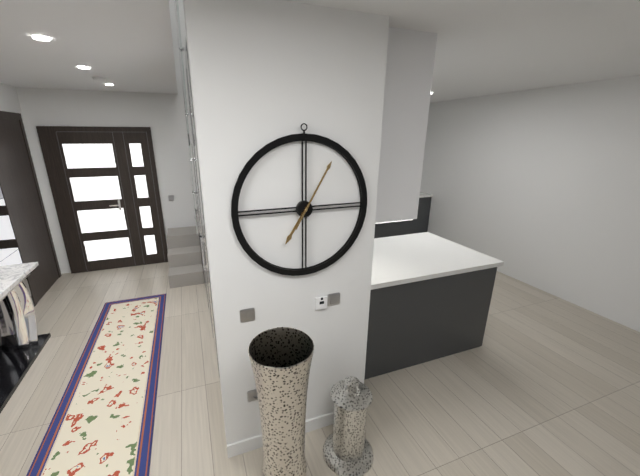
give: {"hour": 7, "minute": 5}
